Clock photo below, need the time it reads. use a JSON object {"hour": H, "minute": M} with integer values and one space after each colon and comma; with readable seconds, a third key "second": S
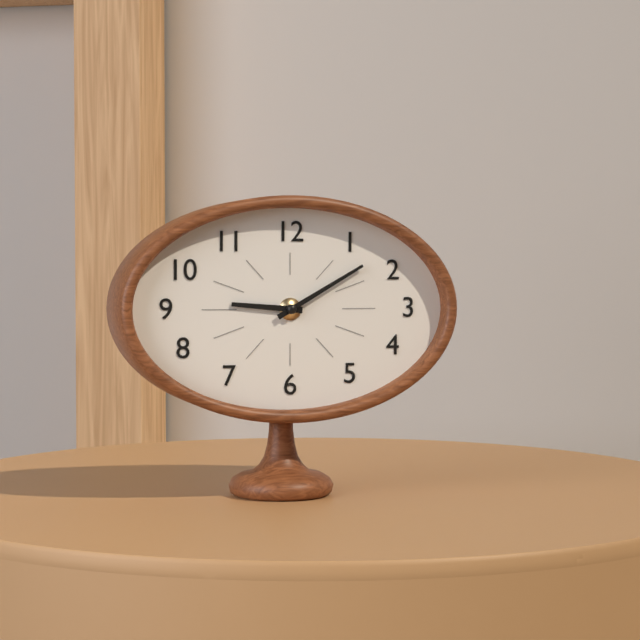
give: {"hour": 9, "minute": 10}
